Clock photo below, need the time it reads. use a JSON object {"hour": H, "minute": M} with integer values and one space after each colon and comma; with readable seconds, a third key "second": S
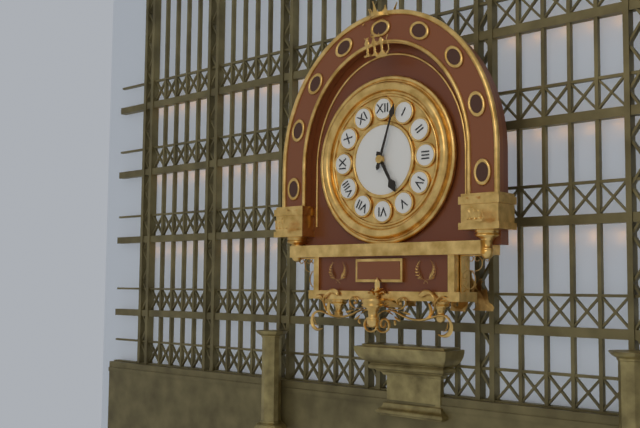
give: {"hour": 5, "minute": 3}
